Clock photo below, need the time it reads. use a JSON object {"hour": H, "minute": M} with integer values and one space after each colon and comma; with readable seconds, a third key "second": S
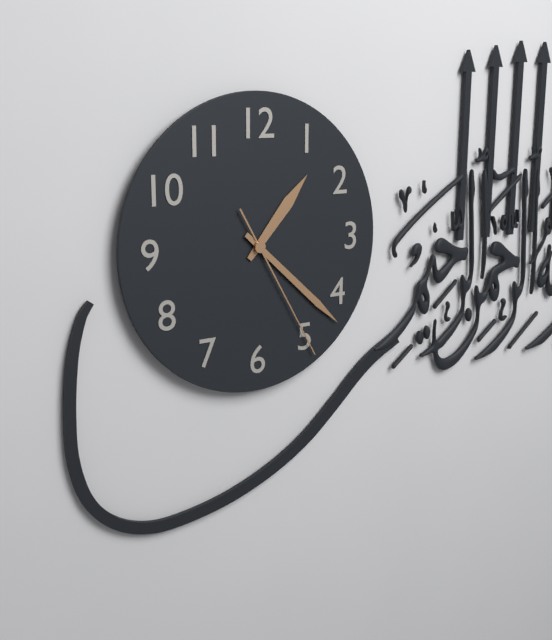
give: {"hour": 1, "minute": 22, "second": 25}
